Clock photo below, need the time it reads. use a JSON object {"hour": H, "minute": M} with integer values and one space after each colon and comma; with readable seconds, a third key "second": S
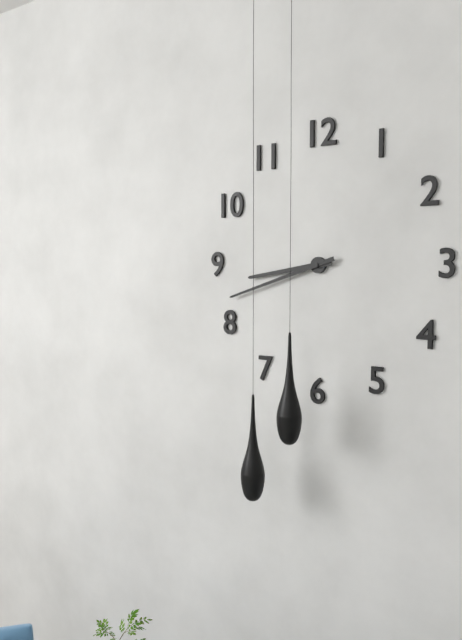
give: {"hour": 8, "minute": 42}
